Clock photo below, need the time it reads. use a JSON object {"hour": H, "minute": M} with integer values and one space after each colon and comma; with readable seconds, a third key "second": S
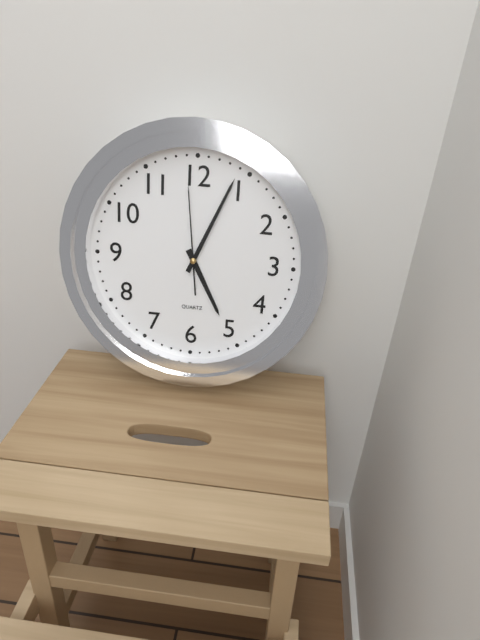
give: {"hour": 5, "minute": 4, "second": 59}
